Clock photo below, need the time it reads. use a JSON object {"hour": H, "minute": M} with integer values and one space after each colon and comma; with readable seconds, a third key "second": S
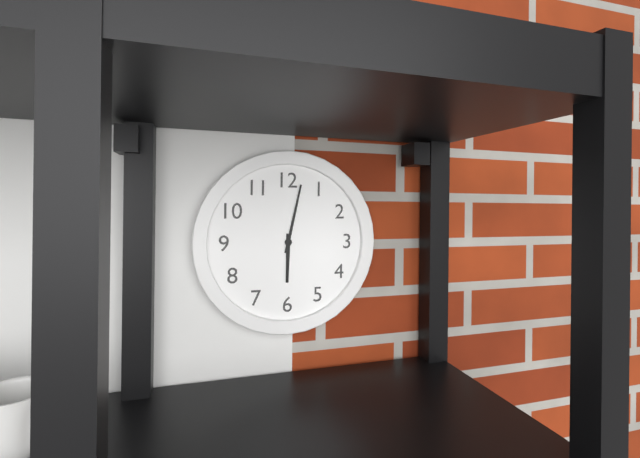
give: {"hour": 6, "minute": 2}
